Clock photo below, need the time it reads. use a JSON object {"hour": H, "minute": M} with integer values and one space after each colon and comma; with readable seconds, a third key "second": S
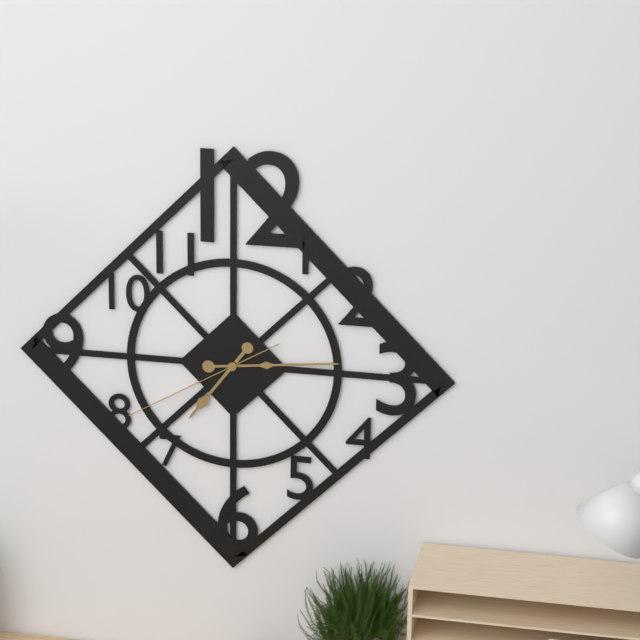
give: {"hour": 7, "minute": 14, "second": 40}
